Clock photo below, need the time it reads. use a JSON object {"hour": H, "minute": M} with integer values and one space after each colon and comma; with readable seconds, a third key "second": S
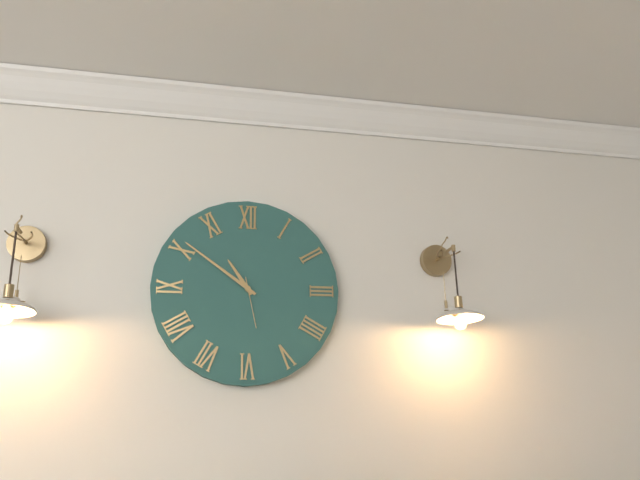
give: {"hour": 10, "minute": 51}
